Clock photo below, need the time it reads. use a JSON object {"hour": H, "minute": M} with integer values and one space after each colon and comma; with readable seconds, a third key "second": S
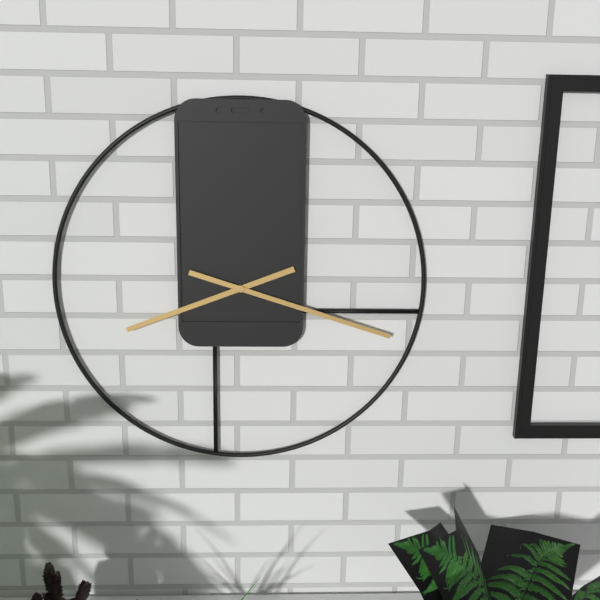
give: {"hour": 8, "minute": 18}
